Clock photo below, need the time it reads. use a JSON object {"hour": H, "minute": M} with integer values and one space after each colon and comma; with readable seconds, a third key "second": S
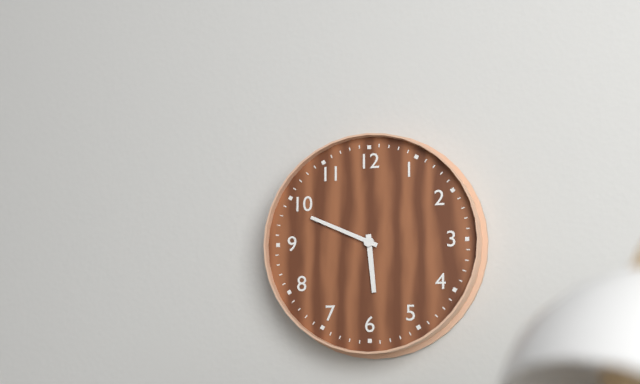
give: {"hour": 5, "minute": 49}
